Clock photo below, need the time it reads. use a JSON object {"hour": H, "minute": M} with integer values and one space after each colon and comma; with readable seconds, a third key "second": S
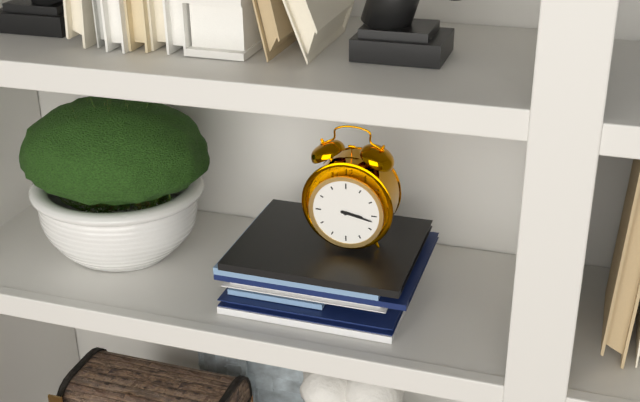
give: {"hour": 3, "minute": 17}
